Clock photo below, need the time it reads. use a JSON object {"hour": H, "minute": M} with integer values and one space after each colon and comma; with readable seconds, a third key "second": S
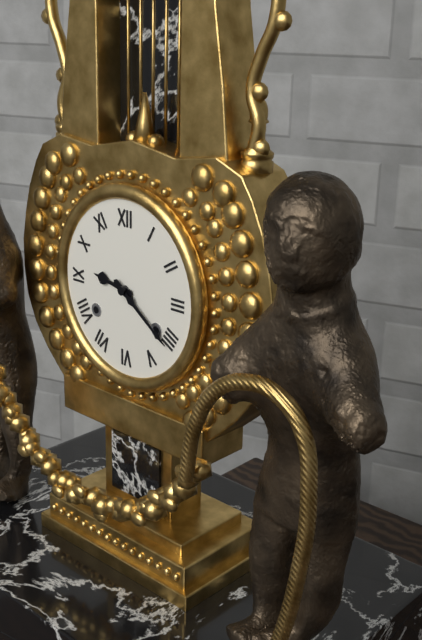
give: {"hour": 9, "minute": 21}
